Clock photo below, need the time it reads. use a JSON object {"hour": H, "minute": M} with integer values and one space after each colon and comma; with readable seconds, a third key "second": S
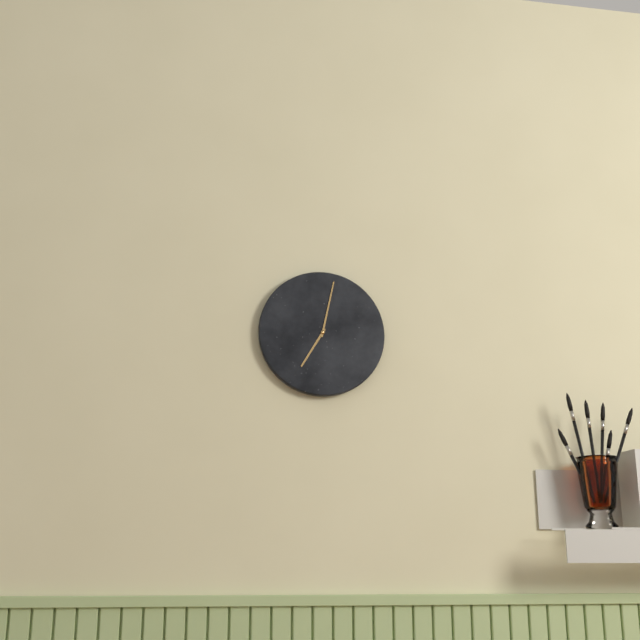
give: {"hour": 7, "minute": 2}
